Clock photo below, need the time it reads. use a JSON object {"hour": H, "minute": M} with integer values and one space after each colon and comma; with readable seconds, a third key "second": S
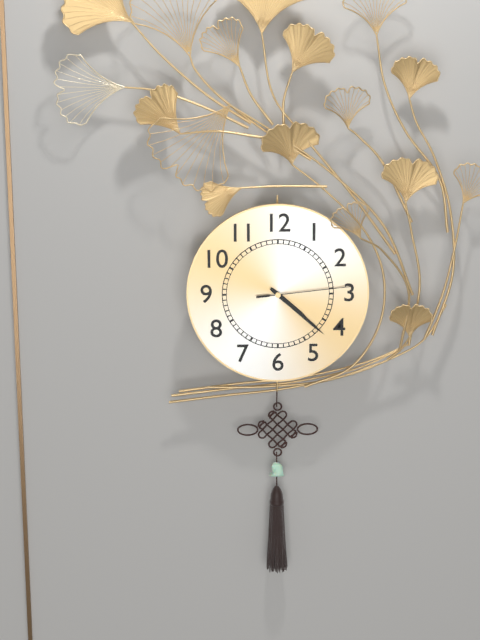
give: {"hour": 4, "minute": 22, "second": 14}
